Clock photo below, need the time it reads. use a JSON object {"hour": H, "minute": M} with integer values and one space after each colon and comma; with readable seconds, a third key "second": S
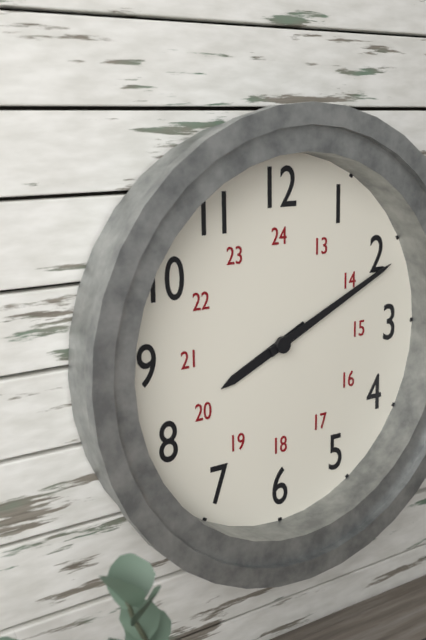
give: {"hour": 8, "minute": 11}
